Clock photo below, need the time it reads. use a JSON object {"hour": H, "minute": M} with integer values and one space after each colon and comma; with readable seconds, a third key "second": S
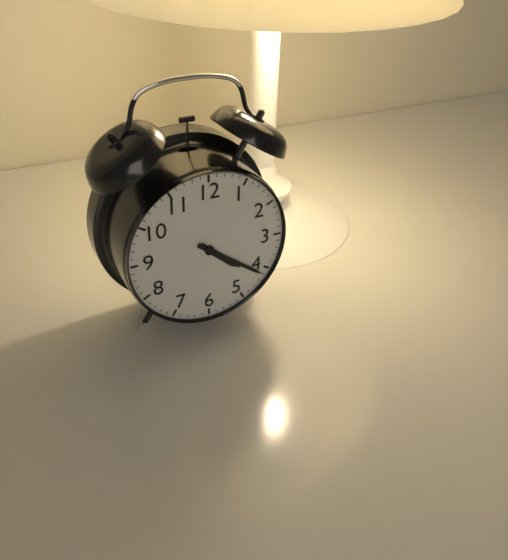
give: {"hour": 4, "minute": 21}
